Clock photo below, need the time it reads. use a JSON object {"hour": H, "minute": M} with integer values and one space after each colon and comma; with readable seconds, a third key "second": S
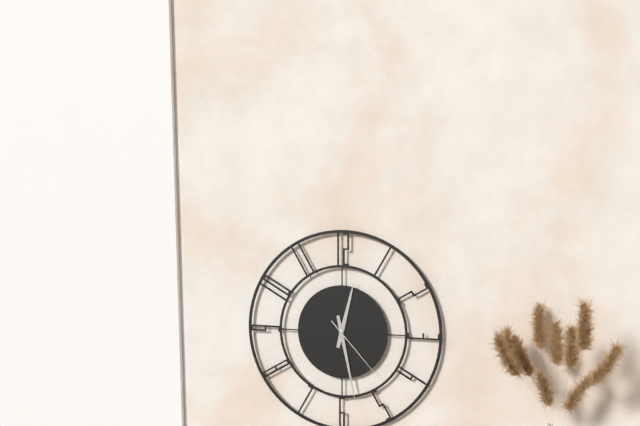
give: {"hour": 12, "minute": 28, "second": 23}
